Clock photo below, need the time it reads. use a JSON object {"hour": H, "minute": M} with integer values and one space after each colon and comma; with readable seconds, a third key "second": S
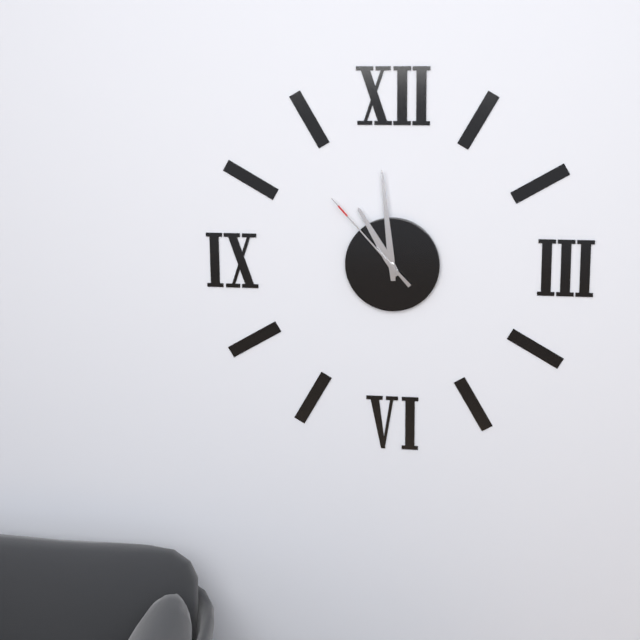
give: {"hour": 10, "minute": 59, "second": 53}
